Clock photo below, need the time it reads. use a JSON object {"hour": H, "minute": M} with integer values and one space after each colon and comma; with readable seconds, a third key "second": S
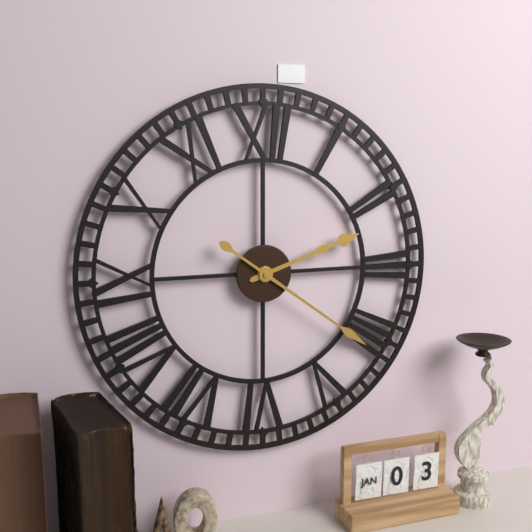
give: {"hour": 2, "minute": 21}
